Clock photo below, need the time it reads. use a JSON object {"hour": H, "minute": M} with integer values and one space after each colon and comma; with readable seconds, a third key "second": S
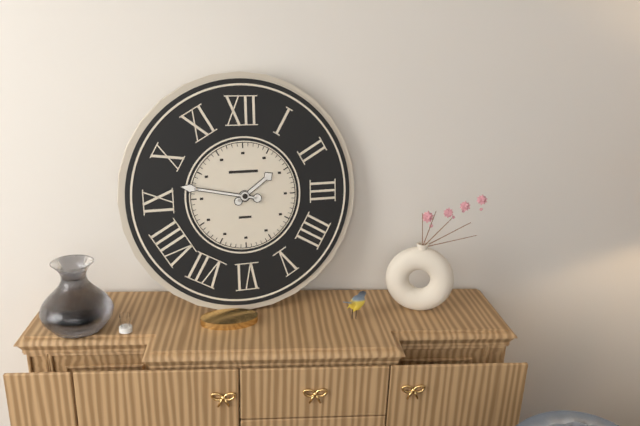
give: {"hour": 1, "minute": 47}
